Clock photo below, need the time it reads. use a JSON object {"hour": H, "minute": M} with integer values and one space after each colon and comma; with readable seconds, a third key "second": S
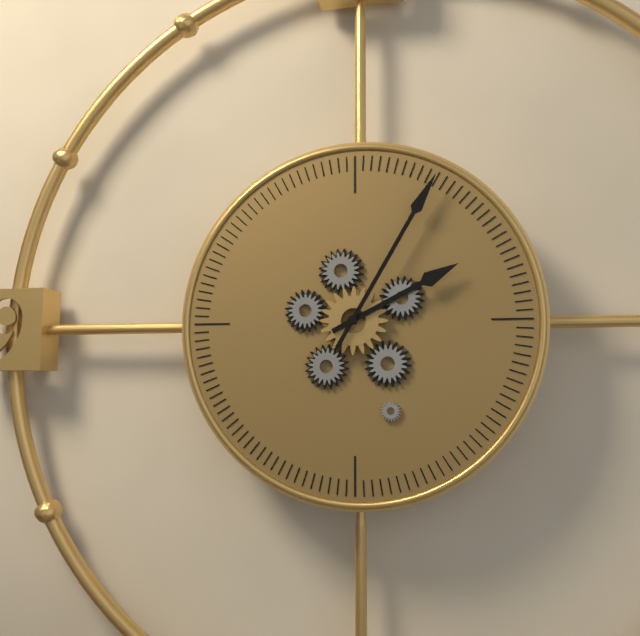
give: {"hour": 2, "minute": 5}
